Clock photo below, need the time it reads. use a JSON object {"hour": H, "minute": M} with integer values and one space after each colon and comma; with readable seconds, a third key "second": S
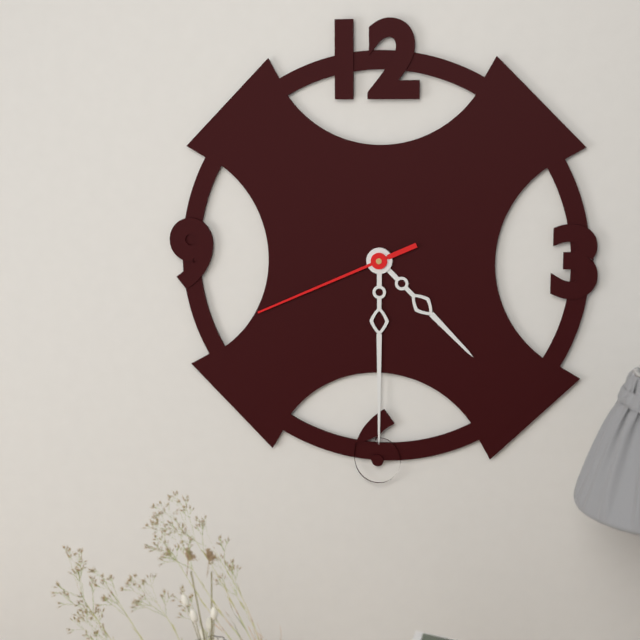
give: {"hour": 4, "minute": 30, "second": 41}
